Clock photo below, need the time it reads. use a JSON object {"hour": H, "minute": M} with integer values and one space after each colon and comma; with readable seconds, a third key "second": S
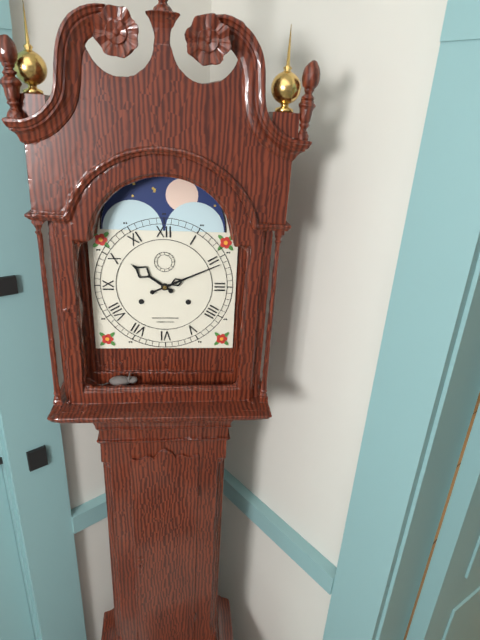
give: {"hour": 10, "minute": 11}
